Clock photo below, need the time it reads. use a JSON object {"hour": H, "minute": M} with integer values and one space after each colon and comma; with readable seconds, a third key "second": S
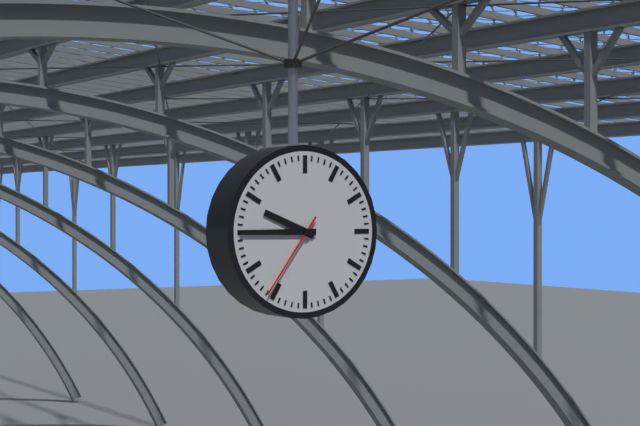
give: {"hour": 9, "minute": 45, "second": 36}
